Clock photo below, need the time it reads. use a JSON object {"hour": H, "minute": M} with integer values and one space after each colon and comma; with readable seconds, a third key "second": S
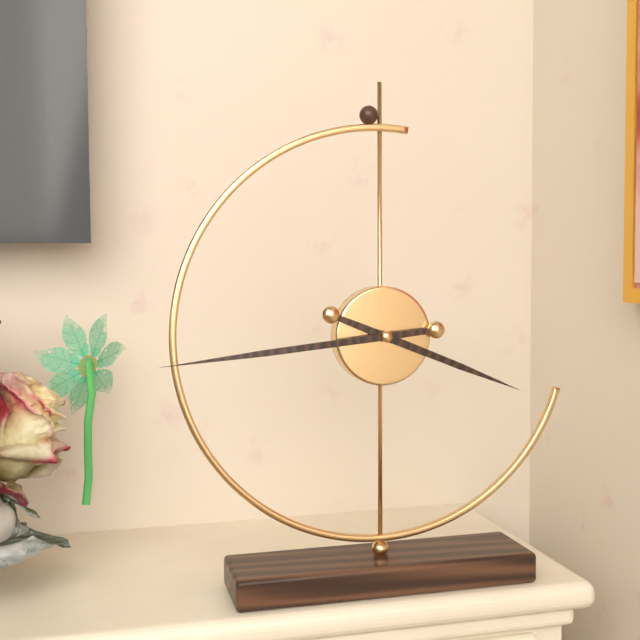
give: {"hour": 3, "minute": 44}
